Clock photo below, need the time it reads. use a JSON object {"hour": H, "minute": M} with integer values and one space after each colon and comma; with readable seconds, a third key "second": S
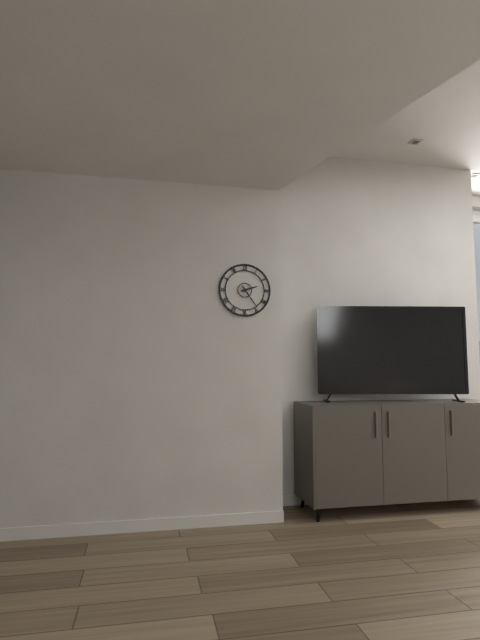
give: {"hour": 2, "minute": 24}
